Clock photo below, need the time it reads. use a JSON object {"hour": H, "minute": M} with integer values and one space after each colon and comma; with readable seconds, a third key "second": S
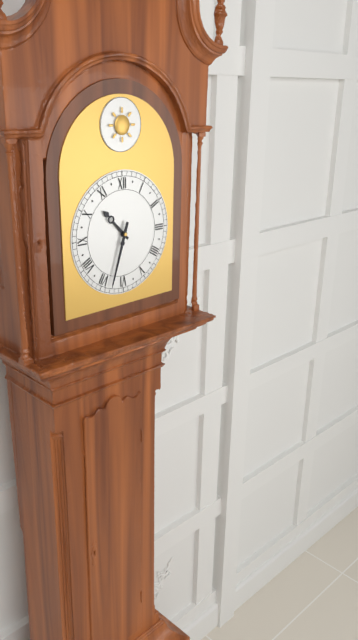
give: {"hour": 10, "minute": 33}
